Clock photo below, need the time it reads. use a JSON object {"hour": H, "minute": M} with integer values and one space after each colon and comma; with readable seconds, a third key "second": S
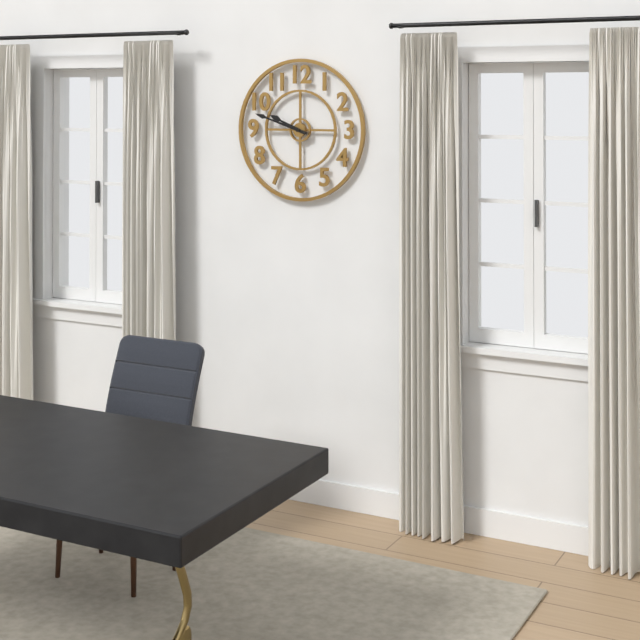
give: {"hour": 9, "minute": 48}
